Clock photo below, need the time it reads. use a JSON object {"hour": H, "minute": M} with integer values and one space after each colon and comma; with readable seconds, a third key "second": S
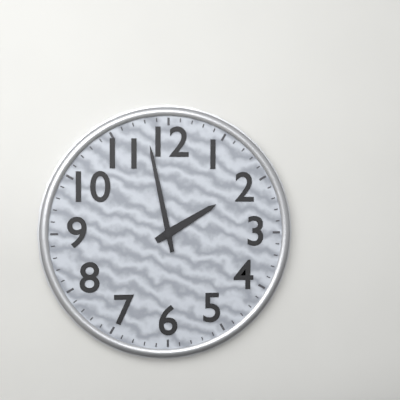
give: {"hour": 1, "minute": 58}
